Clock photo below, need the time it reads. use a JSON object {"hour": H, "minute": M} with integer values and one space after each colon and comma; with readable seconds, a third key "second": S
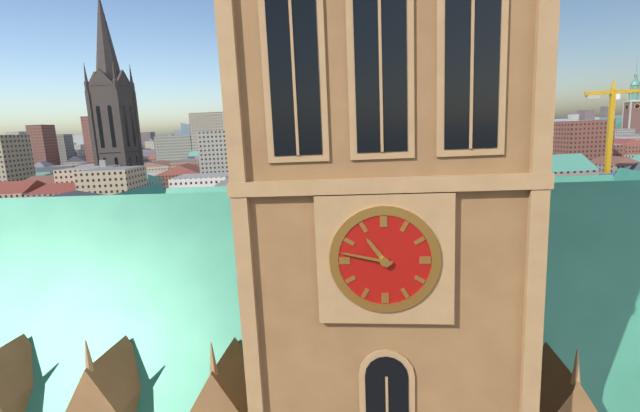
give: {"hour": 10, "minute": 47}
